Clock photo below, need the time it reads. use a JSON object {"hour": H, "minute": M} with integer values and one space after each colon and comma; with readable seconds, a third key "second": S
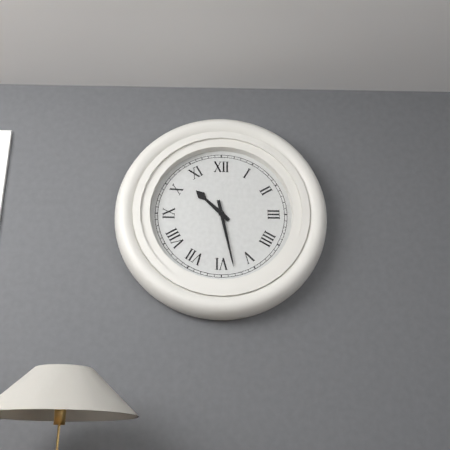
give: {"hour": 10, "minute": 28}
